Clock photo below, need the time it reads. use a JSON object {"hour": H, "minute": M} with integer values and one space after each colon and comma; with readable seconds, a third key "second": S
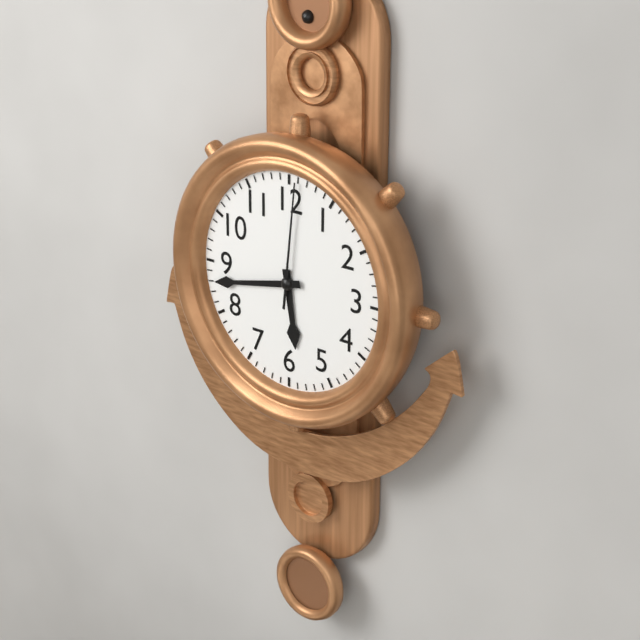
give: {"hour": 5, "minute": 43, "second": 1}
